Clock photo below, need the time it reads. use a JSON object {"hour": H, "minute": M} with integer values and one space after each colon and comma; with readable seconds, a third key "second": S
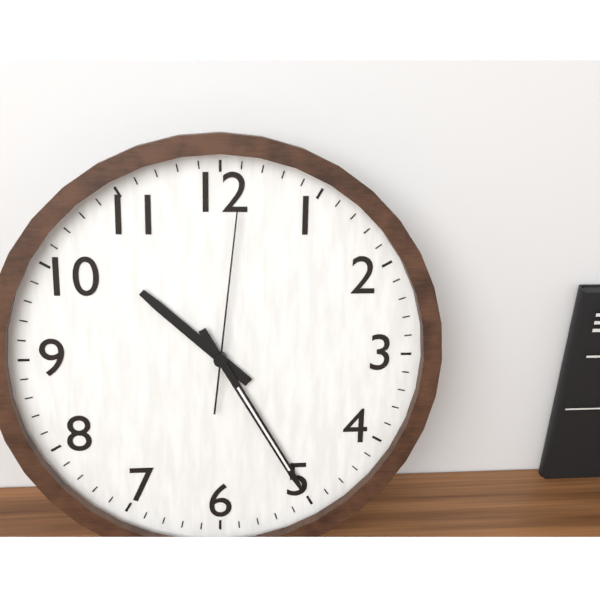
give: {"hour": 10, "minute": 25, "second": 1}
